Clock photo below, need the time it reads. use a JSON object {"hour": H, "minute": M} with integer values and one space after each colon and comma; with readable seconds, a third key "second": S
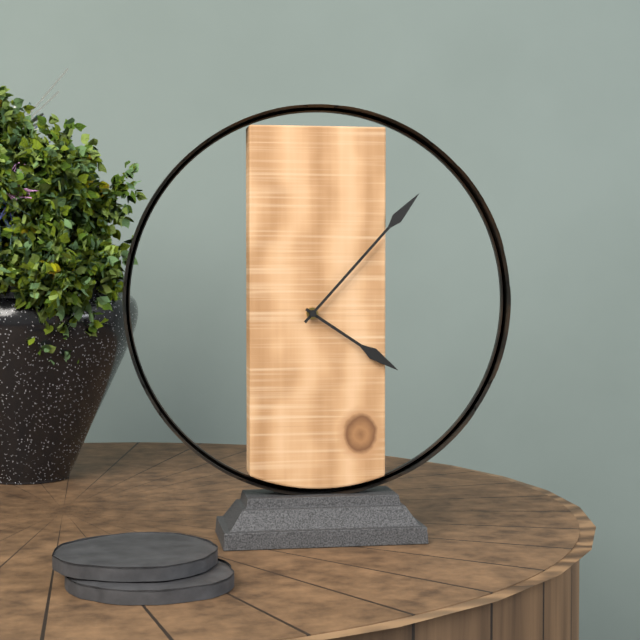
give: {"hour": 4, "minute": 7}
